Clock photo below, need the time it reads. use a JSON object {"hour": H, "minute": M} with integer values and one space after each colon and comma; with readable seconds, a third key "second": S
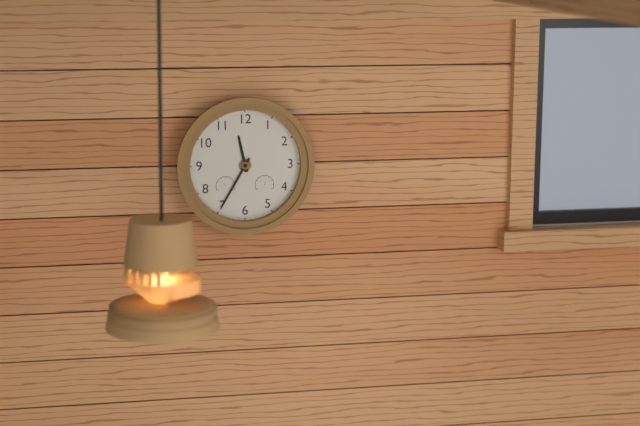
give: {"hour": 11, "minute": 35}
